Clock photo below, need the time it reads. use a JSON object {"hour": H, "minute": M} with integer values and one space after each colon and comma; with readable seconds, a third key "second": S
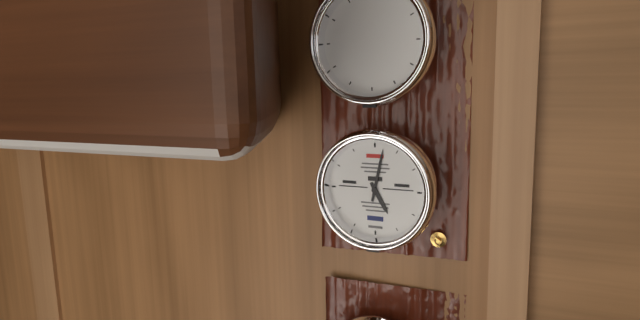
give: {"hour": 5, "minute": 2}
